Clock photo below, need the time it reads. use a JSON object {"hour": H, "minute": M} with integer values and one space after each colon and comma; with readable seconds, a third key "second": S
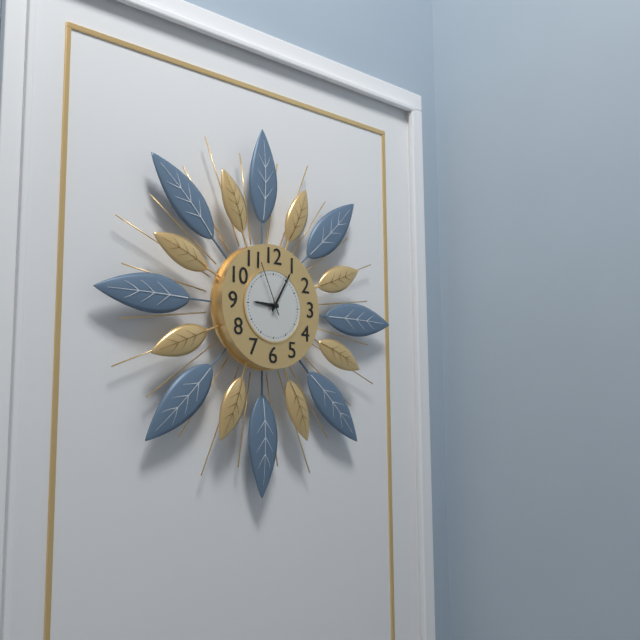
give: {"hour": 9, "minute": 5, "second": 56}
